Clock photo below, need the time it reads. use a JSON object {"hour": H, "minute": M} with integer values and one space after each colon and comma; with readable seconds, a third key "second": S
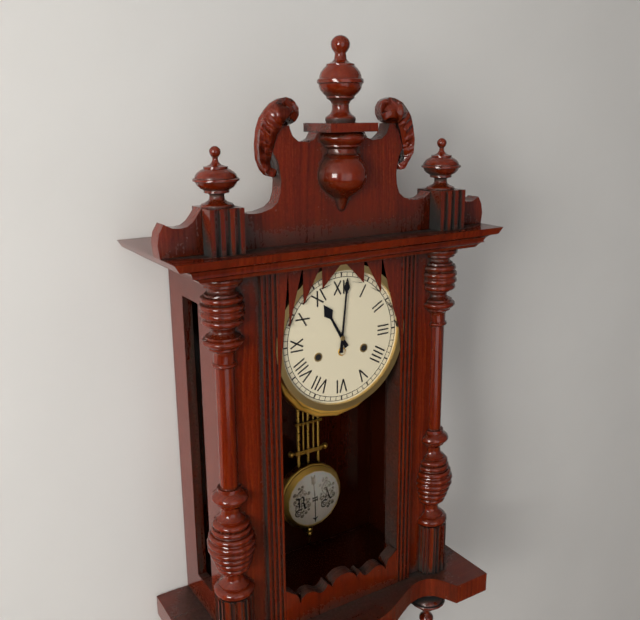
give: {"hour": 11, "minute": 1}
